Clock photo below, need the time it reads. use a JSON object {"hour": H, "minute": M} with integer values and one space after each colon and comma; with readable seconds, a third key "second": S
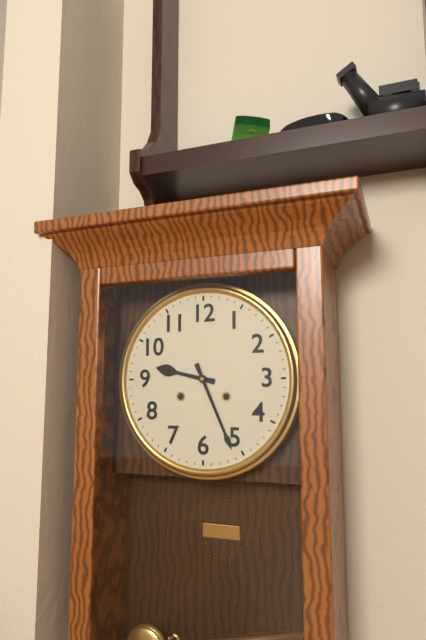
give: {"hour": 9, "minute": 26}
